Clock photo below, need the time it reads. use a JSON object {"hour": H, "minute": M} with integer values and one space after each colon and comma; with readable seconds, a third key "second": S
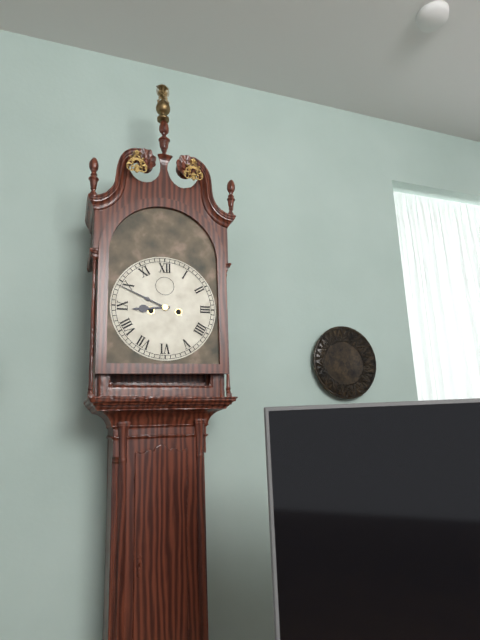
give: {"hour": 8, "minute": 49}
